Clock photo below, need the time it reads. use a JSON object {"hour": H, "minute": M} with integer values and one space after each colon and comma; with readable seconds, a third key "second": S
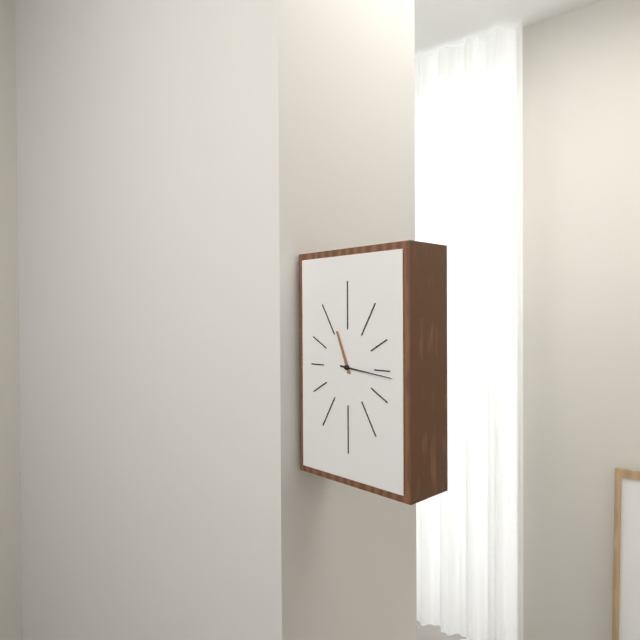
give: {"hour": 11, "minute": 16}
